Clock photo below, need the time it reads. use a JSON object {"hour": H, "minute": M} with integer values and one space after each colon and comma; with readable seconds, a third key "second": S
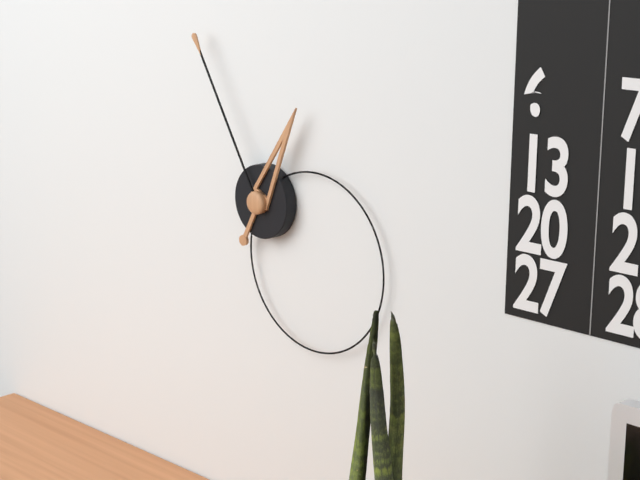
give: {"hour": 12, "minute": 55}
